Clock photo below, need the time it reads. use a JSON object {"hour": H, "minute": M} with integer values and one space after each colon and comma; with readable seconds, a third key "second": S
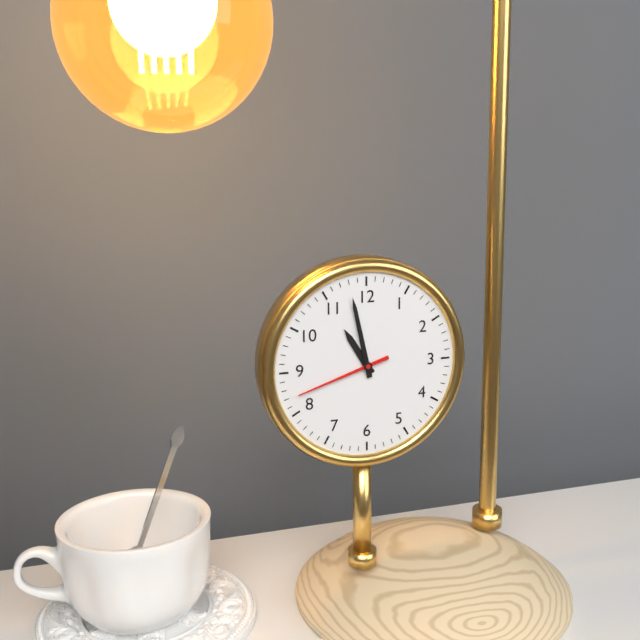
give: {"hour": 10, "minute": 58, "second": 42}
